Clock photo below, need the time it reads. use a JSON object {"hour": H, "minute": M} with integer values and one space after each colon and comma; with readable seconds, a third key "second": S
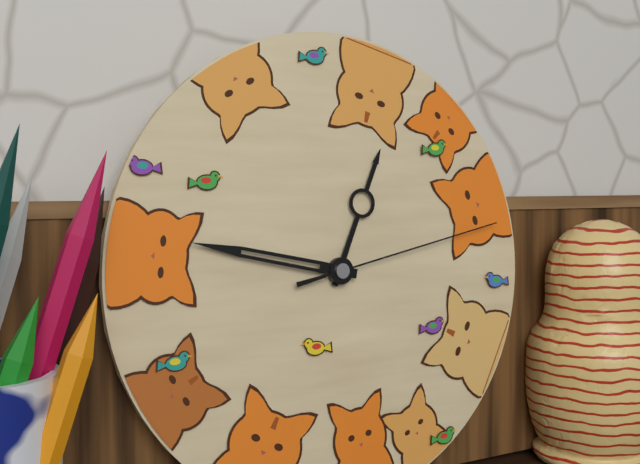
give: {"hour": 12, "minute": 47, "second": 13}
